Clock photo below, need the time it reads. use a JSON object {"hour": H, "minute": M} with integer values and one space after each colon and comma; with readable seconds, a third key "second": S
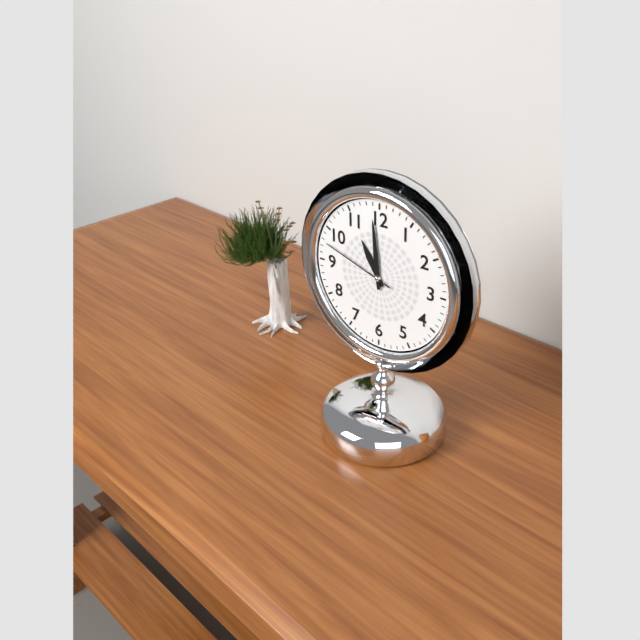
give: {"hour": 10, "minute": 59, "second": 48}
